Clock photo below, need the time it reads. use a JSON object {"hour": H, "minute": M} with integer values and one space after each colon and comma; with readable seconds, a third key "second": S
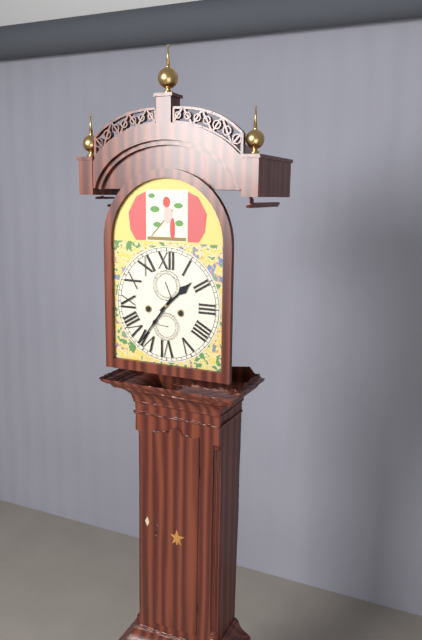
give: {"hour": 1, "minute": 36}
